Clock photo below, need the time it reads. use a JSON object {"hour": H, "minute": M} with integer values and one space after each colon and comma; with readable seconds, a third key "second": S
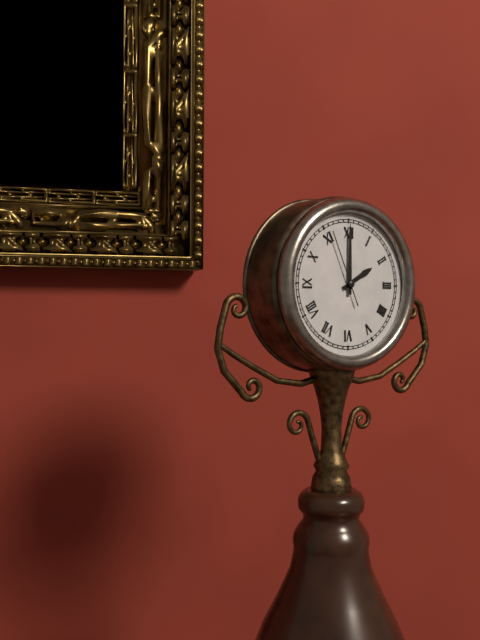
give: {"hour": 2, "minute": 0, "second": 56}
